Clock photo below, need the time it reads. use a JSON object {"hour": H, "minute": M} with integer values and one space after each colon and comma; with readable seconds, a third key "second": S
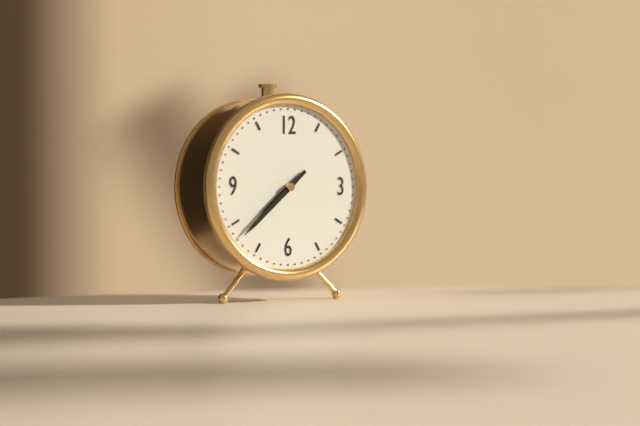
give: {"hour": 7, "minute": 38}
